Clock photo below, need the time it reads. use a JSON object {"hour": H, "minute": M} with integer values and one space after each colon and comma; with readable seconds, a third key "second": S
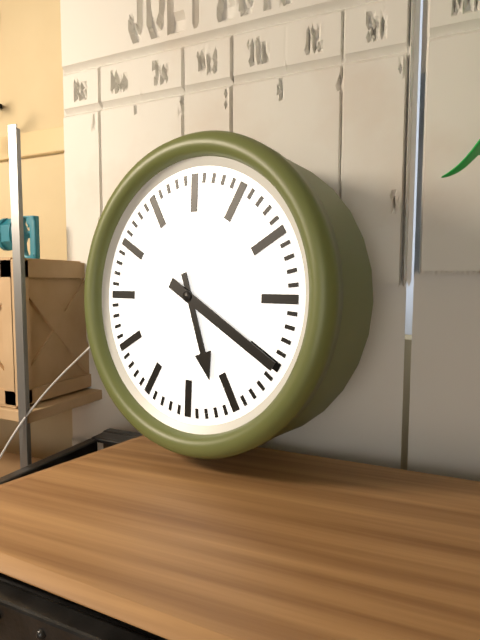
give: {"hour": 5, "minute": 20}
